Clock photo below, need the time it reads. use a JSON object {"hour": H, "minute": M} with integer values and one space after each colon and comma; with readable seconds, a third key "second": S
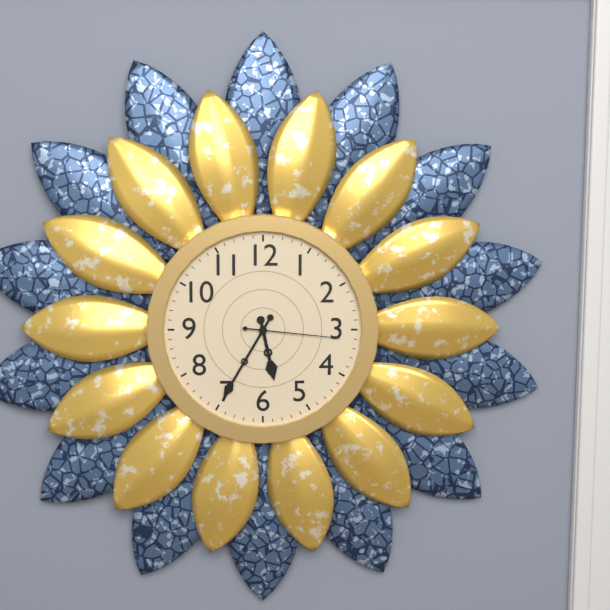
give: {"hour": 5, "minute": 35, "second": 16}
